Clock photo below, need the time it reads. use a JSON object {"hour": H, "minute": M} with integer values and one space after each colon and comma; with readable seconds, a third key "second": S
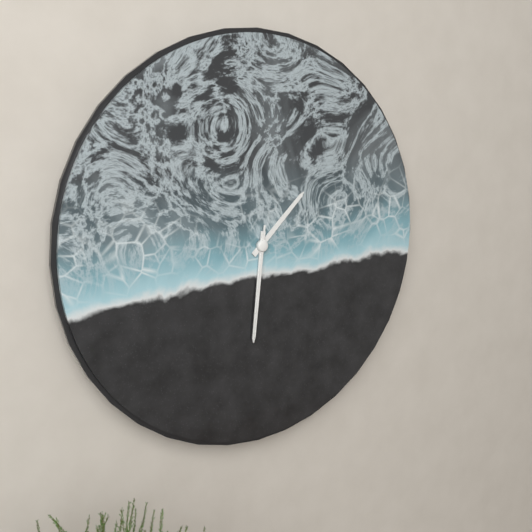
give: {"hour": 1, "minute": 31, "second": 31}
